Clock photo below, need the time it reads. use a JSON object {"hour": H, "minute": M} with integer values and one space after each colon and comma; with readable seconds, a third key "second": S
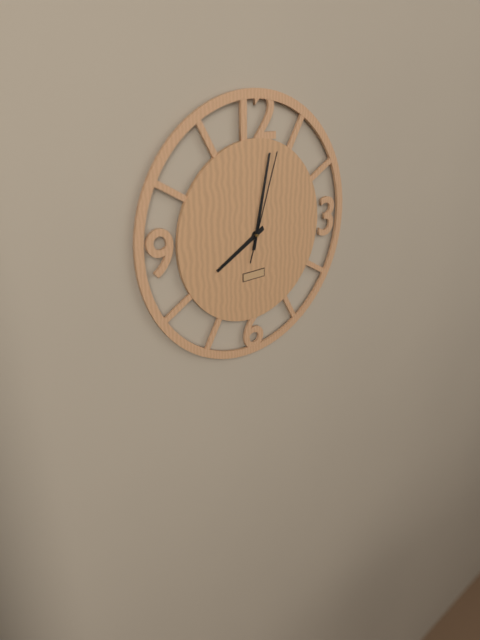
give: {"hour": 8, "minute": 2, "second": 3}
